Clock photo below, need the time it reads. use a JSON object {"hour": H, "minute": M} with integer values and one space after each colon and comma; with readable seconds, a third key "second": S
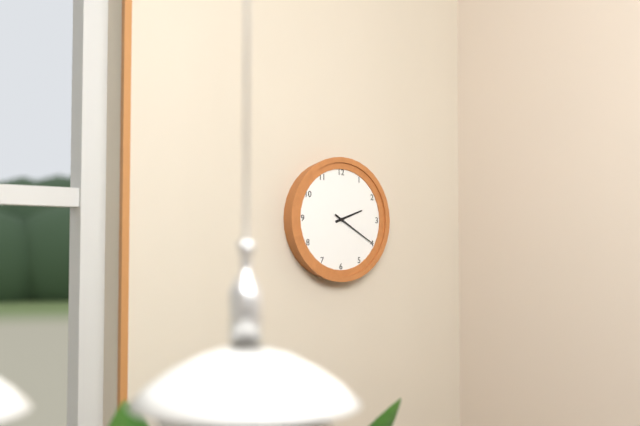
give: {"hour": 2, "minute": 20}
